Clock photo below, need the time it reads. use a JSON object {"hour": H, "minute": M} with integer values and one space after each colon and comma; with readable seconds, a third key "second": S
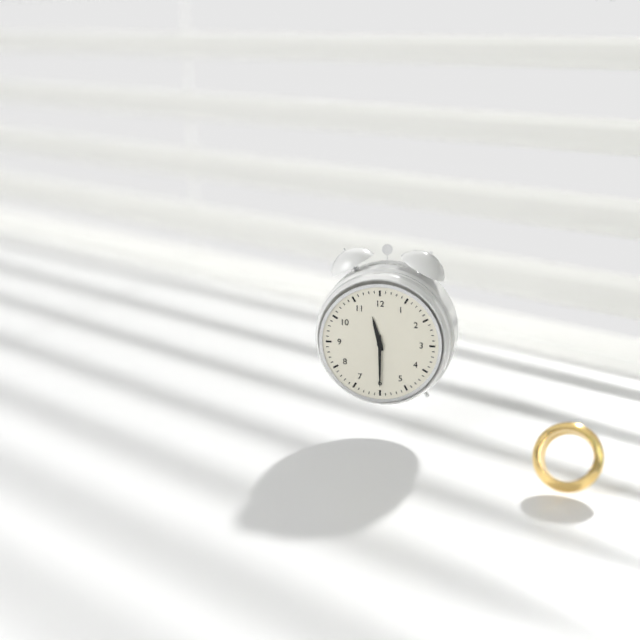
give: {"hour": 11, "minute": 30}
